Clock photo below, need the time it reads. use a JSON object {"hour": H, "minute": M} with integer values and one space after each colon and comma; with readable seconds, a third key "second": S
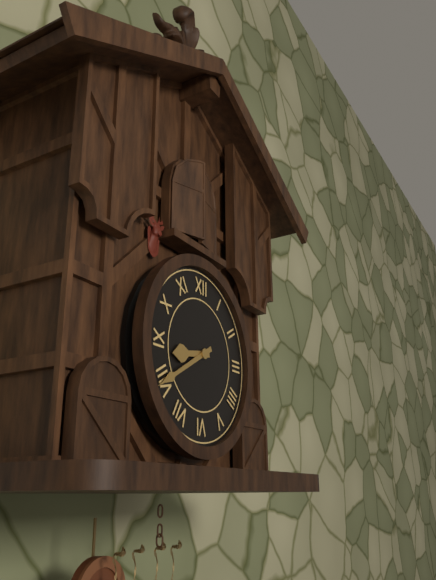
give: {"hour": 8, "minute": 40}
